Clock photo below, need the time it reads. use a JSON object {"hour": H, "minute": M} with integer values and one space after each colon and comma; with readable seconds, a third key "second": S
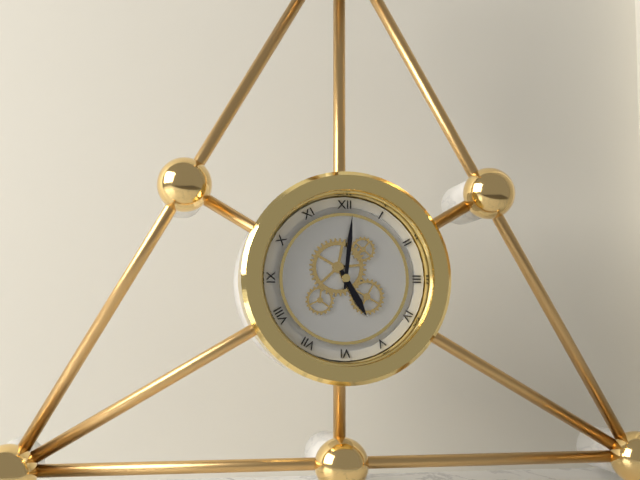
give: {"hour": 5, "minute": 1}
